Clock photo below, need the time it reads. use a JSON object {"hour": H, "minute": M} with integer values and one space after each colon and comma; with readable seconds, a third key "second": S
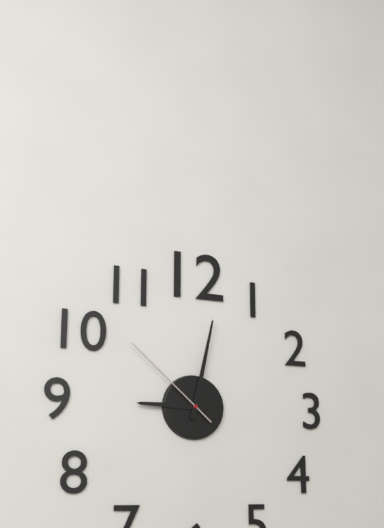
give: {"hour": 9, "minute": 2, "second": 52}
